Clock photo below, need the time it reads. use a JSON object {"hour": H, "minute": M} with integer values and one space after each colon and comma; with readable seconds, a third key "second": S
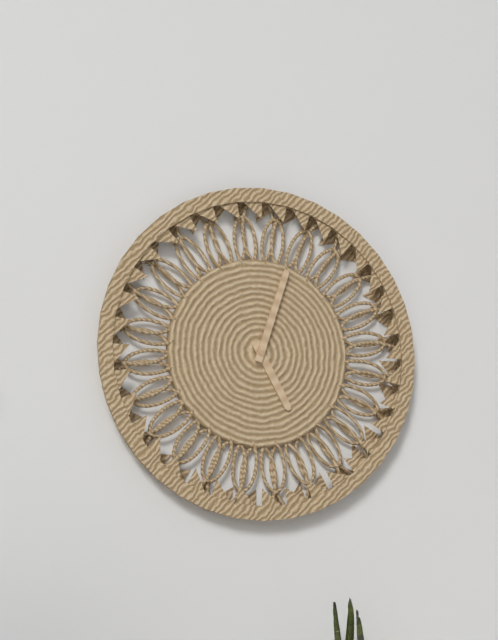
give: {"hour": 5, "minute": 3}
